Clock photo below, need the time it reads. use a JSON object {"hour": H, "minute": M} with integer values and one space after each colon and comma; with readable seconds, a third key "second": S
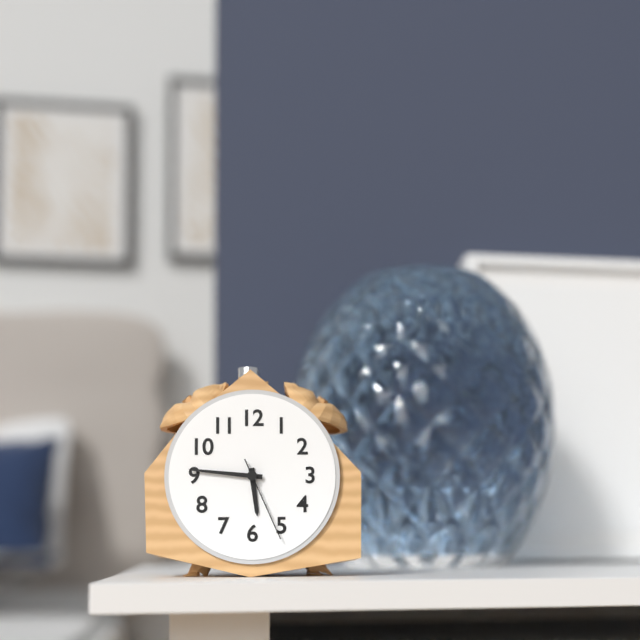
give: {"hour": 5, "minute": 46, "second": 26}
